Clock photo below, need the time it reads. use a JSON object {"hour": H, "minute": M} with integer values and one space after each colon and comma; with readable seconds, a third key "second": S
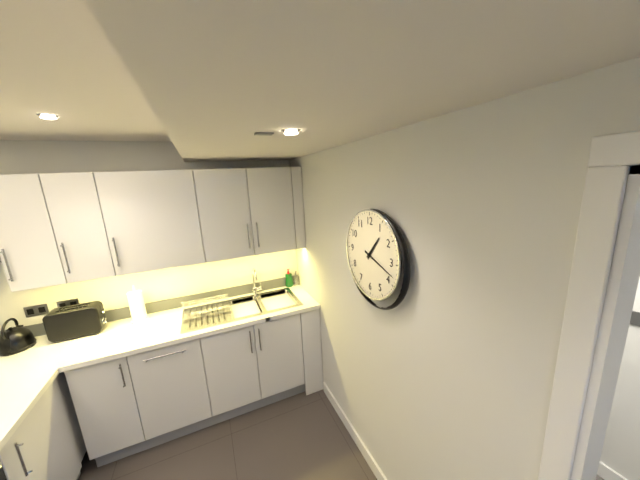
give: {"hour": 1, "minute": 18}
